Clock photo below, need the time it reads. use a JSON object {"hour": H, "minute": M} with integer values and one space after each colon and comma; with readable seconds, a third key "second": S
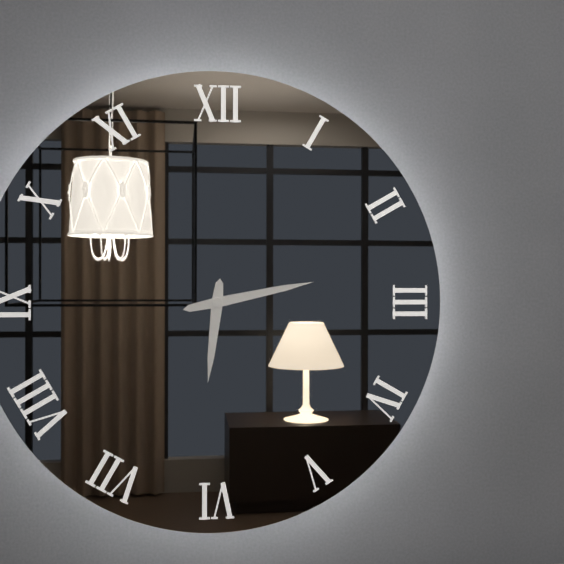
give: {"hour": 6, "minute": 13}
